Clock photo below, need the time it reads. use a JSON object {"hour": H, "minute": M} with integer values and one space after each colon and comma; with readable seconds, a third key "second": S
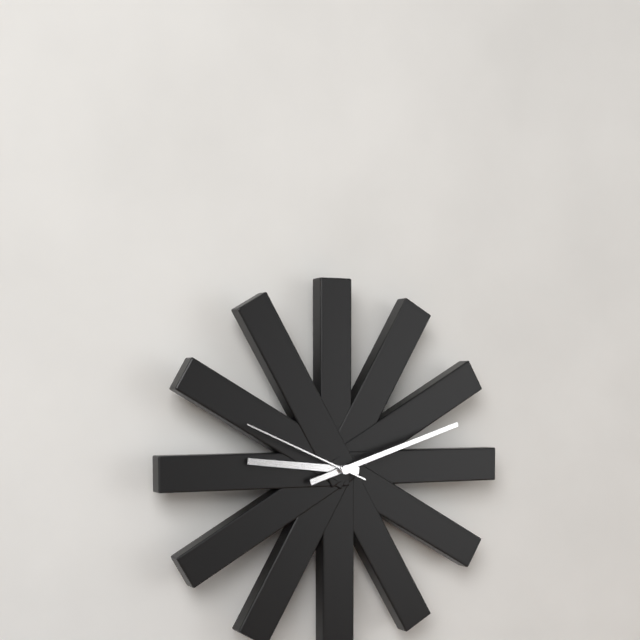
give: {"hour": 9, "minute": 12, "second": 49}
